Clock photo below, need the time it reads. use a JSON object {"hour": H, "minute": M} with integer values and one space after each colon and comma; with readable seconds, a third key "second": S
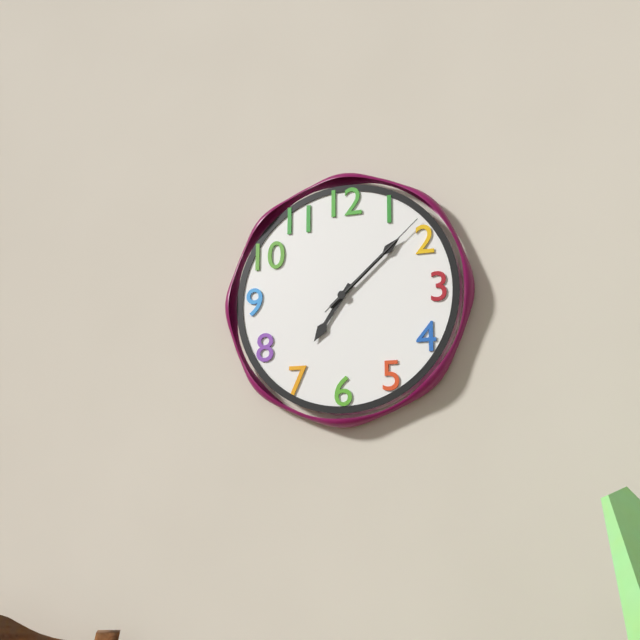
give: {"hour": 7, "minute": 8, "second": 8}
